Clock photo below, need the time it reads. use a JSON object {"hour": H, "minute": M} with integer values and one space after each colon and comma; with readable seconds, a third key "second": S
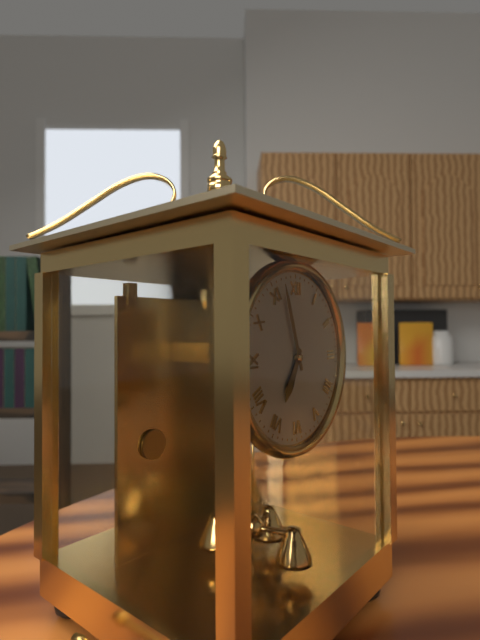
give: {"hour": 6, "minute": 57}
